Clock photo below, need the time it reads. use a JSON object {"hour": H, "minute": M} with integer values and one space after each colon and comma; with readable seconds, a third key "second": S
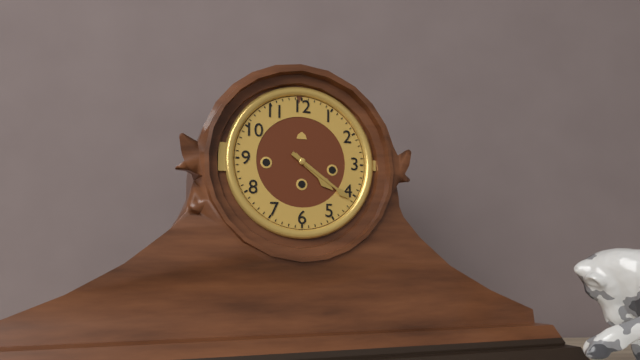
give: {"hour": 4, "minute": 21}
